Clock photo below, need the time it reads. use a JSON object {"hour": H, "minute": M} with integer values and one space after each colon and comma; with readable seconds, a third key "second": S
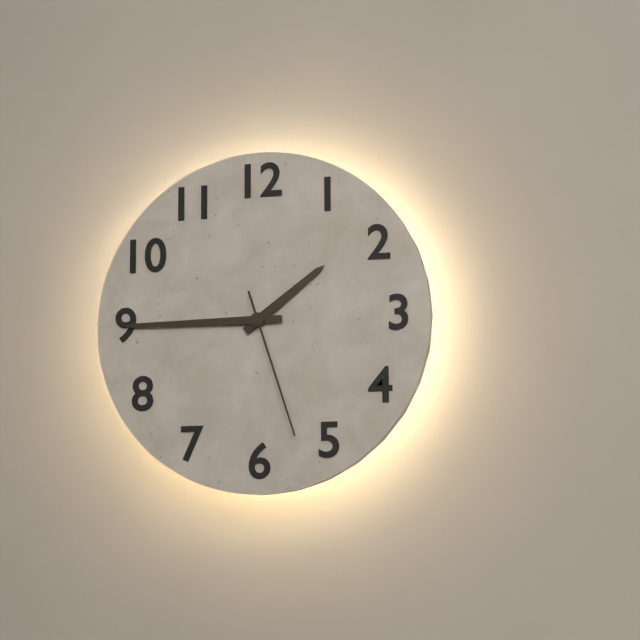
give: {"hour": 1, "minute": 45, "second": 27}
